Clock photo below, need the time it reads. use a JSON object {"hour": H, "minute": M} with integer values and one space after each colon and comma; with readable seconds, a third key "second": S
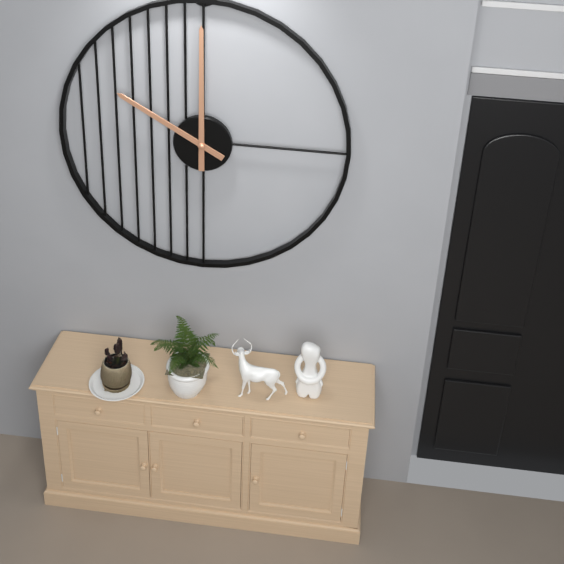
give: {"hour": 10, "minute": 0}
